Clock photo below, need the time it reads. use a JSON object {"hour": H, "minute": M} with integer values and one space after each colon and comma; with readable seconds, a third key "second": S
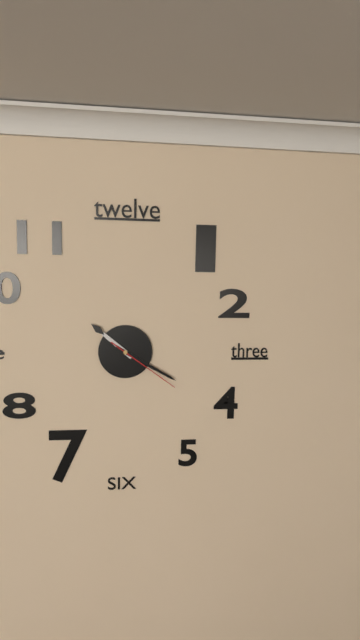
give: {"hour": 10, "minute": 20, "second": 21}
